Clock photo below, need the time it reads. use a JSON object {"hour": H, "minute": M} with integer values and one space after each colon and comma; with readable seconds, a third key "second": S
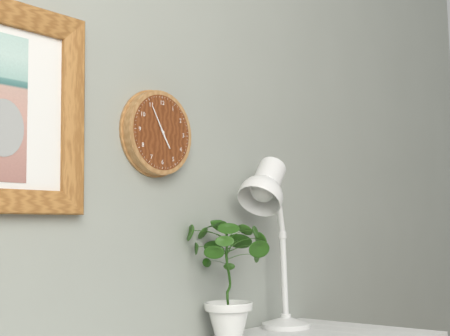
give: {"hour": 4, "minute": 55}
